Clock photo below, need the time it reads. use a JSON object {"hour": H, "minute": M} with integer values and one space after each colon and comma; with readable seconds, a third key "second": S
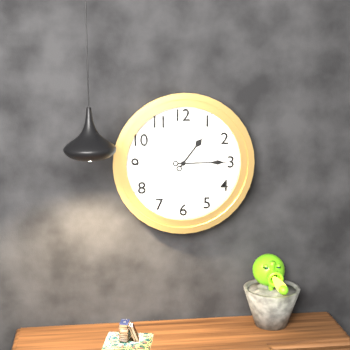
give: {"hour": 1, "minute": 15}
